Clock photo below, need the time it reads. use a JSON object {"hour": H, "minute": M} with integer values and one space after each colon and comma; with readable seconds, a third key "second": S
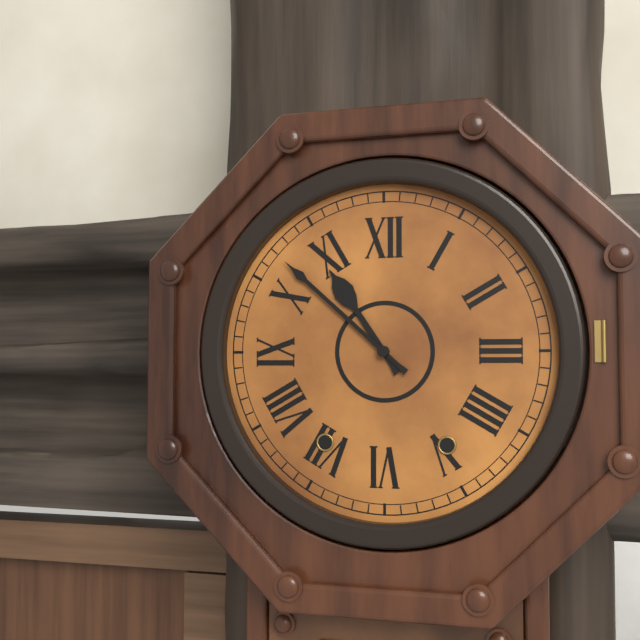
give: {"hour": 10, "minute": 52}
